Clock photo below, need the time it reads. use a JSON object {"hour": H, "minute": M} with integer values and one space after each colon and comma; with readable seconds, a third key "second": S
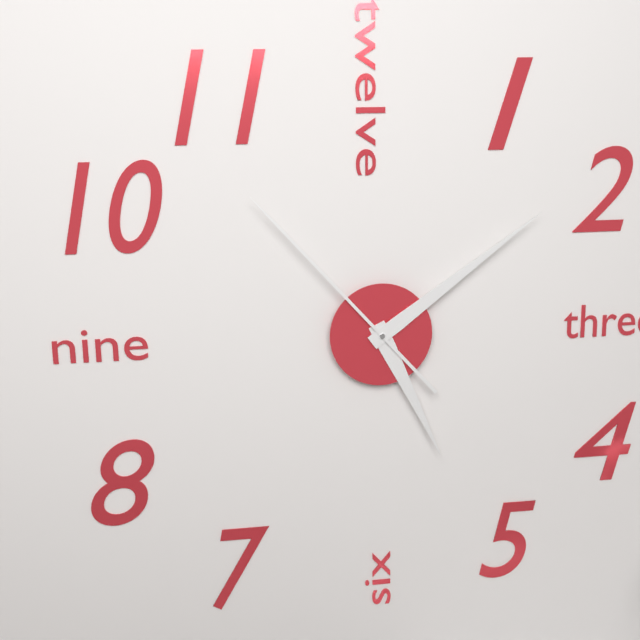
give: {"hour": 5, "minute": 9, "second": 53}
